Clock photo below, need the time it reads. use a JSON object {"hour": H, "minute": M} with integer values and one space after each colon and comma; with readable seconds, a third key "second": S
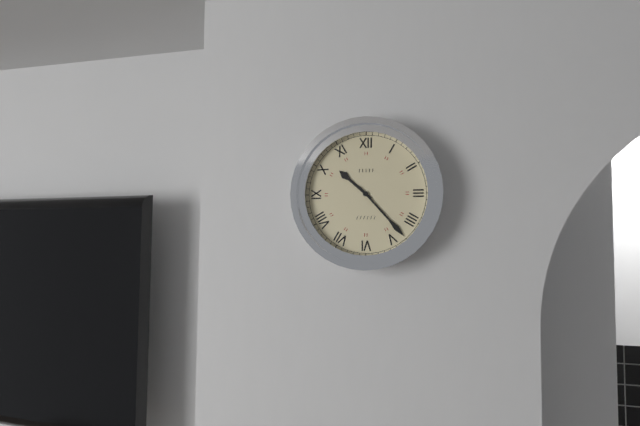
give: {"hour": 10, "minute": 23}
